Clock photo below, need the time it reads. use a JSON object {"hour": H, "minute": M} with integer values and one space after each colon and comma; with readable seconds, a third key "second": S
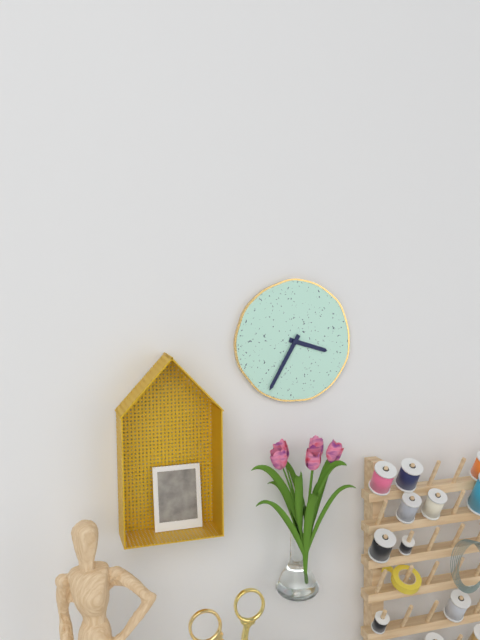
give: {"hour": 3, "minute": 35}
